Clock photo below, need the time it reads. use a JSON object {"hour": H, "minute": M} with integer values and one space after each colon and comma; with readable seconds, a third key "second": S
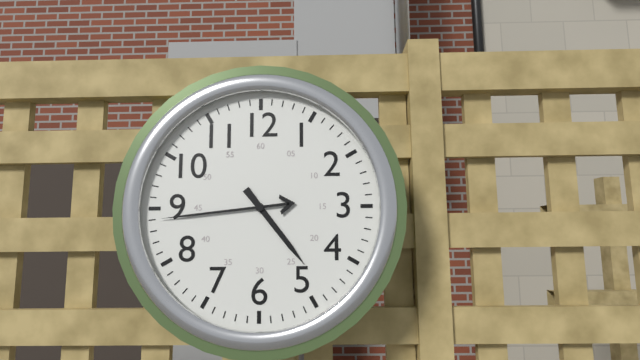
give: {"hour": 4, "minute": 44}
